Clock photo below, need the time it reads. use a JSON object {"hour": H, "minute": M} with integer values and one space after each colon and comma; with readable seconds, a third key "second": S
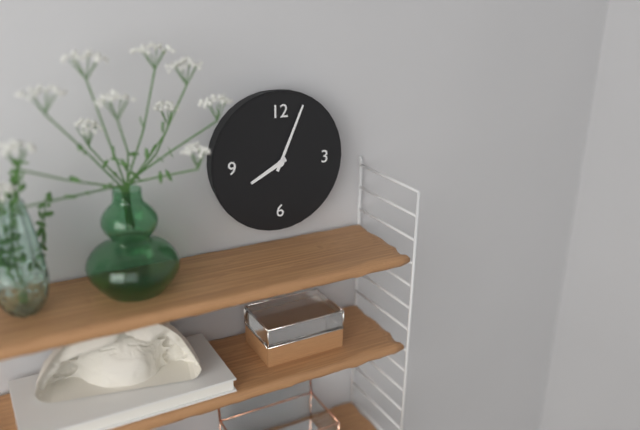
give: {"hour": 8, "minute": 4}
